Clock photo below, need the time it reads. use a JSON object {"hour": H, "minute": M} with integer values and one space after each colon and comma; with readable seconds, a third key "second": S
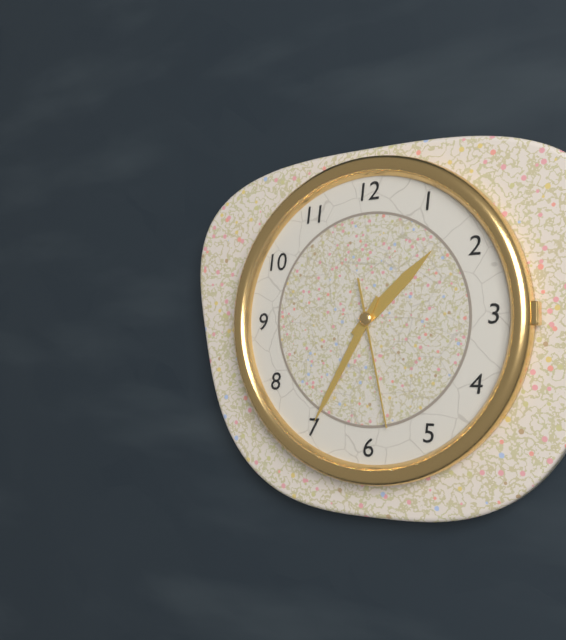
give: {"hour": 1, "minute": 35, "second": 28}
